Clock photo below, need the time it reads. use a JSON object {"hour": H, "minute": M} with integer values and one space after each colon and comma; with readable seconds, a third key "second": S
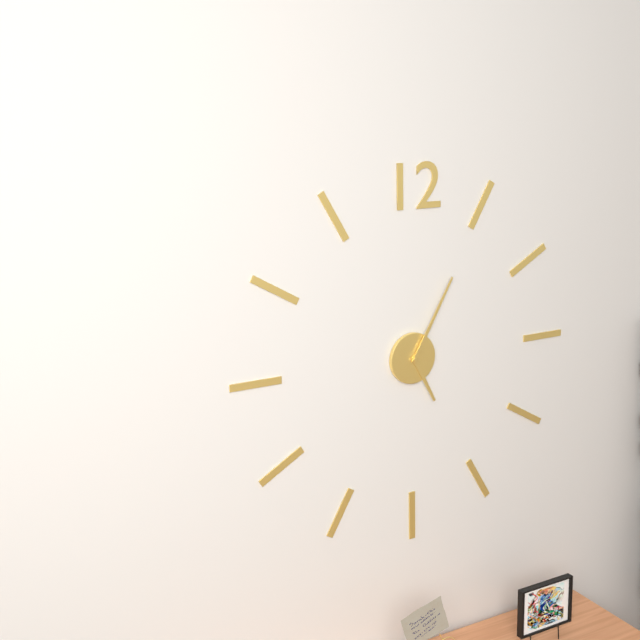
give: {"hour": 5, "minute": 5}
